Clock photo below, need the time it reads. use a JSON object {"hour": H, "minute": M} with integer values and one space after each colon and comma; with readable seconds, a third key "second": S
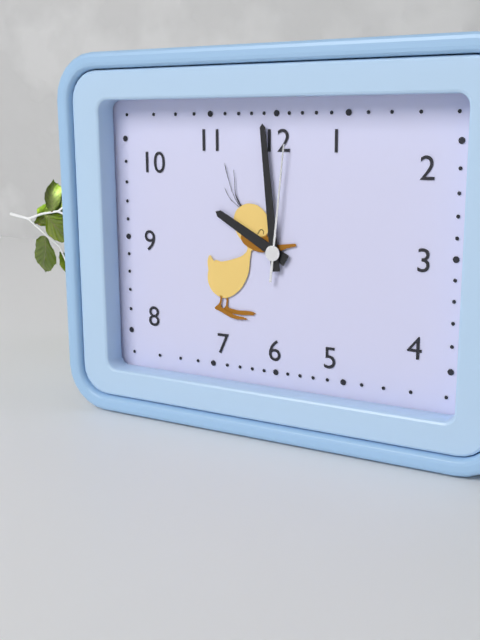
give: {"hour": 9, "minute": 59, "second": 1}
